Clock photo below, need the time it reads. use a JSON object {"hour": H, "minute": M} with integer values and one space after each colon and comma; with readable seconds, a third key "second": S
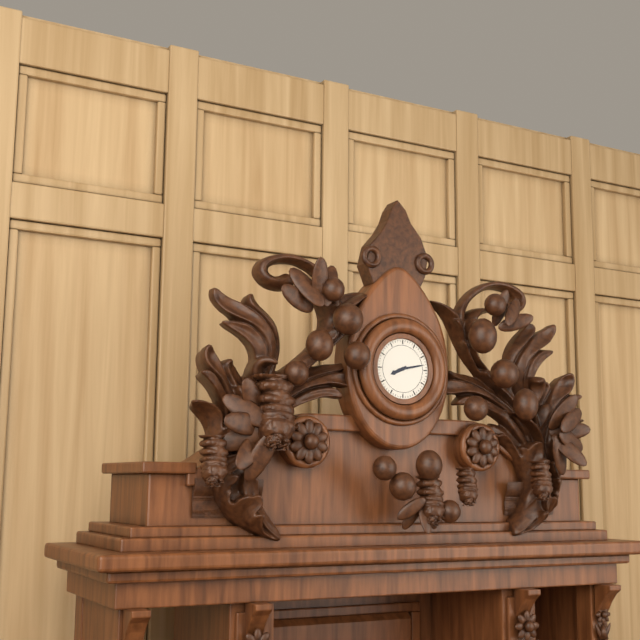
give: {"hour": 8, "minute": 13}
